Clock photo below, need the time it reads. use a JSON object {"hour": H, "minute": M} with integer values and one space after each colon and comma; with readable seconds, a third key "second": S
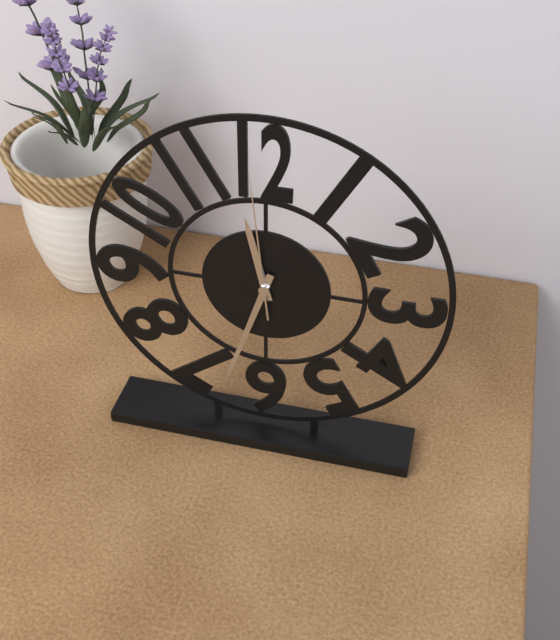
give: {"hour": 11, "minute": 33, "second": 59}
